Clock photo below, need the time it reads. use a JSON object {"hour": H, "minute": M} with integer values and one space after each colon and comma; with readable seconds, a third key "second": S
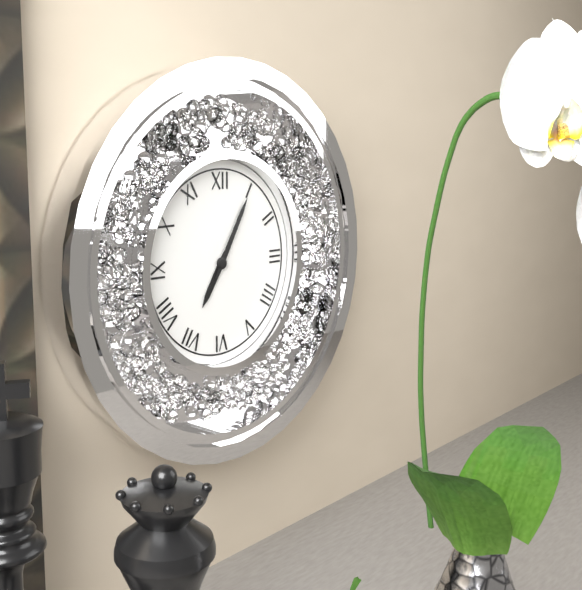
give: {"hour": 7, "minute": 5}
